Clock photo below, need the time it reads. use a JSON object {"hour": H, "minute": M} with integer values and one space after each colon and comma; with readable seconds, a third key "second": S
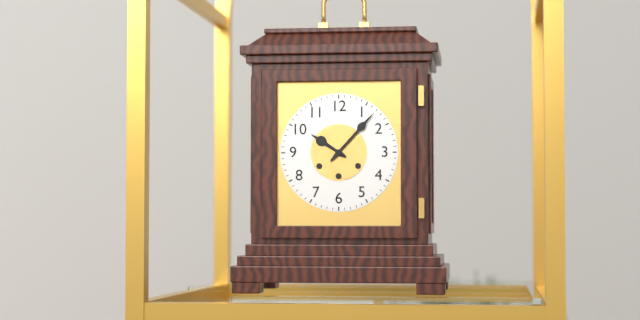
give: {"hour": 10, "minute": 7}
